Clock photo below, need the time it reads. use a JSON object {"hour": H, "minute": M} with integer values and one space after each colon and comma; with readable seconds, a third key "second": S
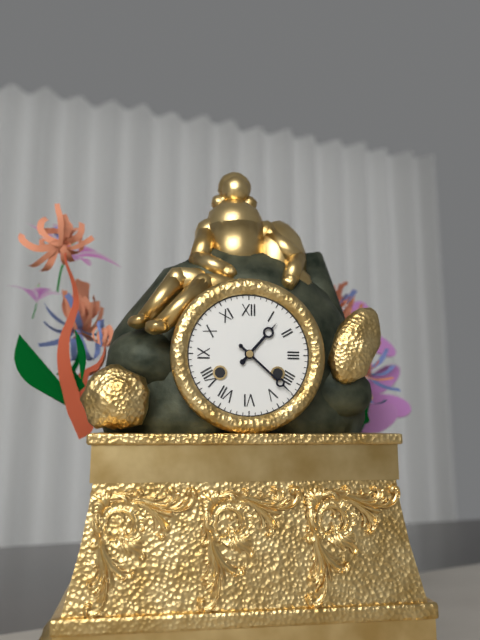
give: {"hour": 1, "minute": 22}
